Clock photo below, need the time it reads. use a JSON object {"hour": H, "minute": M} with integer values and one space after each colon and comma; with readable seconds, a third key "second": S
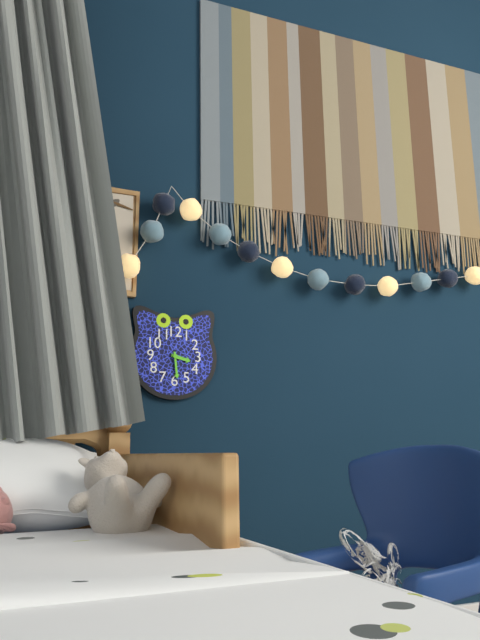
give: {"hour": 3, "minute": 29}
